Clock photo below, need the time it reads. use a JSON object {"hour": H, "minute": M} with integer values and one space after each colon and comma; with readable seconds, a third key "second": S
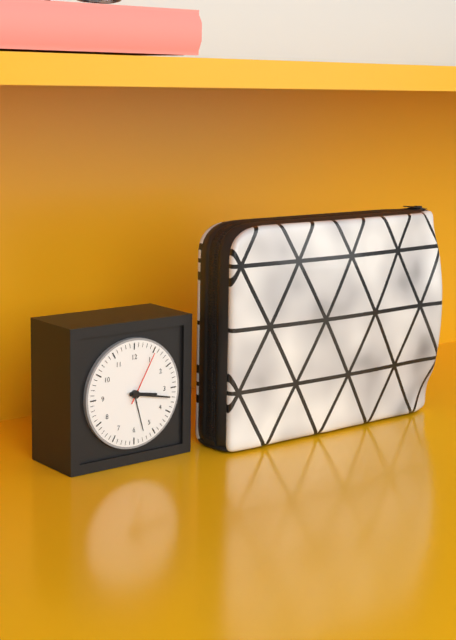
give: {"hour": 3, "minute": 17, "second": 5}
